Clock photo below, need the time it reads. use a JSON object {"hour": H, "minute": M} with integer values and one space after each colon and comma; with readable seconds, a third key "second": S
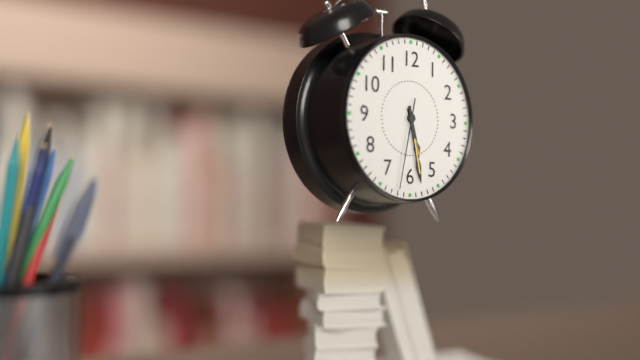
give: {"hour": 5, "minute": 28, "second": 32}
